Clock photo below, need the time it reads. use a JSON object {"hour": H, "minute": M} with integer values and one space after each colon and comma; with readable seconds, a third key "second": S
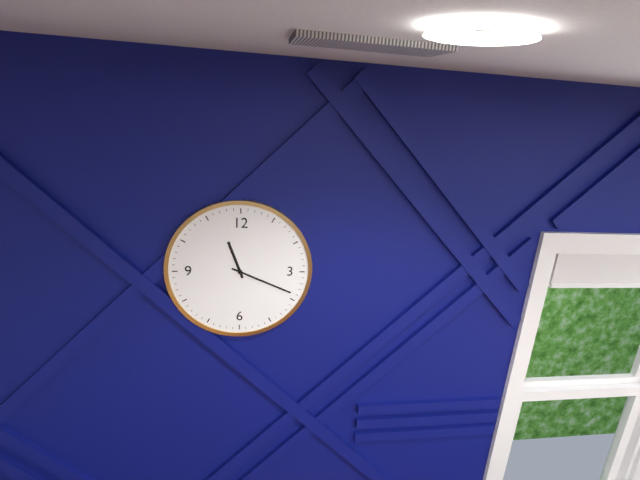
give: {"hour": 11, "minute": 19}
